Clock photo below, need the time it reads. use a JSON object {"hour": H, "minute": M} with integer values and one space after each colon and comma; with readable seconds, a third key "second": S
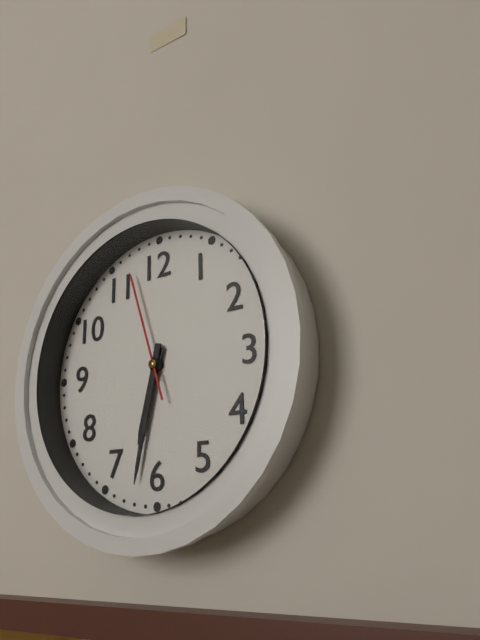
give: {"hour": 6, "minute": 32, "second": 57}
